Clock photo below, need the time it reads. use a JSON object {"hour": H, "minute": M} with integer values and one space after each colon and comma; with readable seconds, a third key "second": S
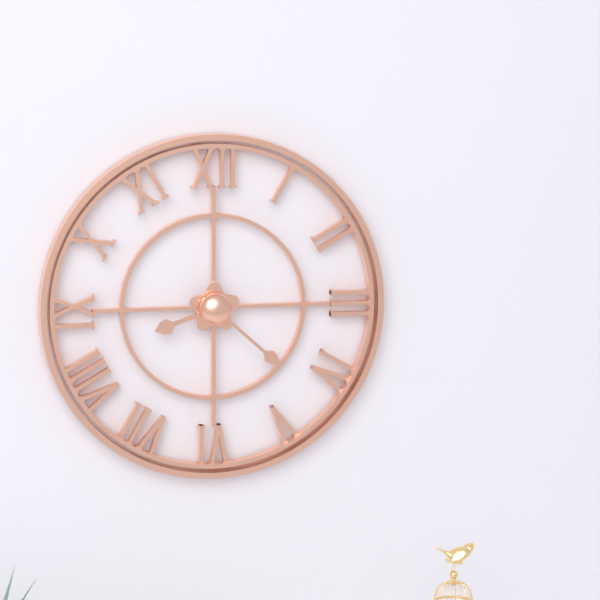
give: {"hour": 8, "minute": 22}
